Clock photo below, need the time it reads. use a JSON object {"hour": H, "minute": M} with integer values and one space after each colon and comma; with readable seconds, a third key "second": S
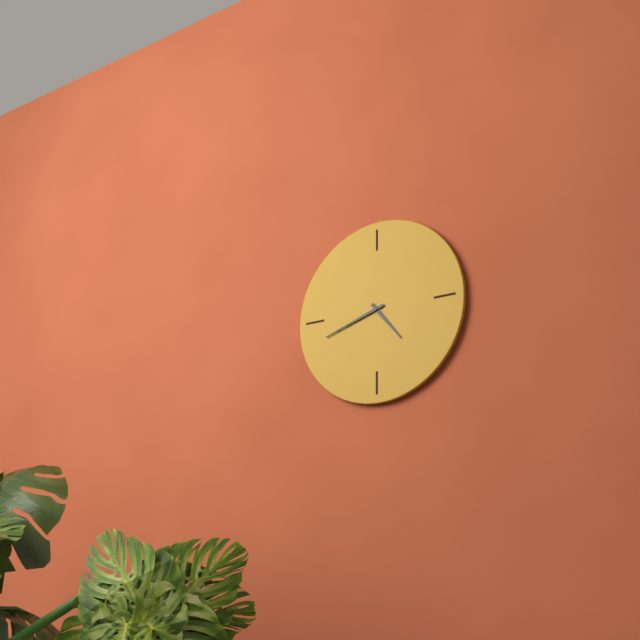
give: {"hour": 4, "minute": 42}
